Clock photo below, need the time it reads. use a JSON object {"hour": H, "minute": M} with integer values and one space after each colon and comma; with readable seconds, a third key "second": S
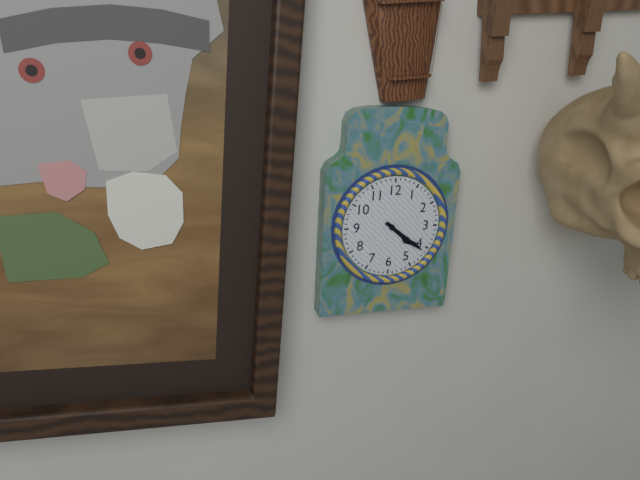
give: {"hour": 4, "minute": 21}
